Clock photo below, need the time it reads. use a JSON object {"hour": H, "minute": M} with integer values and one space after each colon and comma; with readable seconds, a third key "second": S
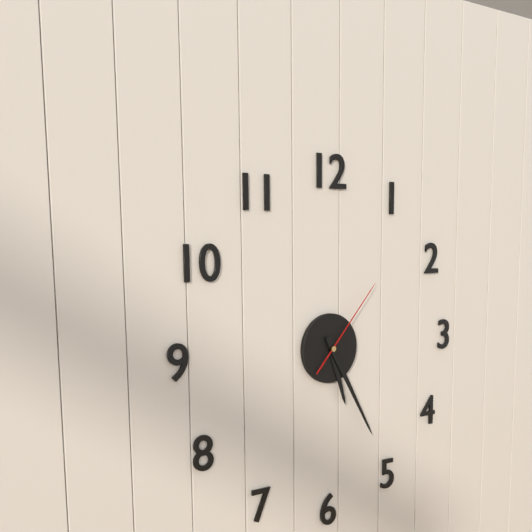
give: {"hour": 5, "minute": 25, "second": 7}
